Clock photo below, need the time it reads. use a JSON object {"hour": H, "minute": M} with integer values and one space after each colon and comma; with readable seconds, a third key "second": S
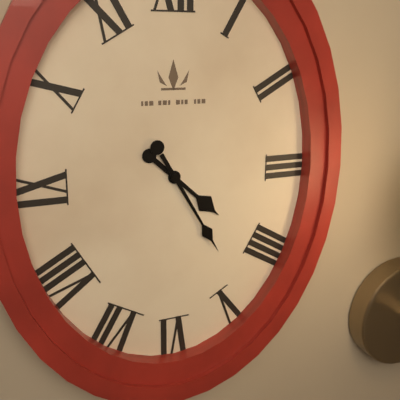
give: {"hour": 4, "minute": 25}
